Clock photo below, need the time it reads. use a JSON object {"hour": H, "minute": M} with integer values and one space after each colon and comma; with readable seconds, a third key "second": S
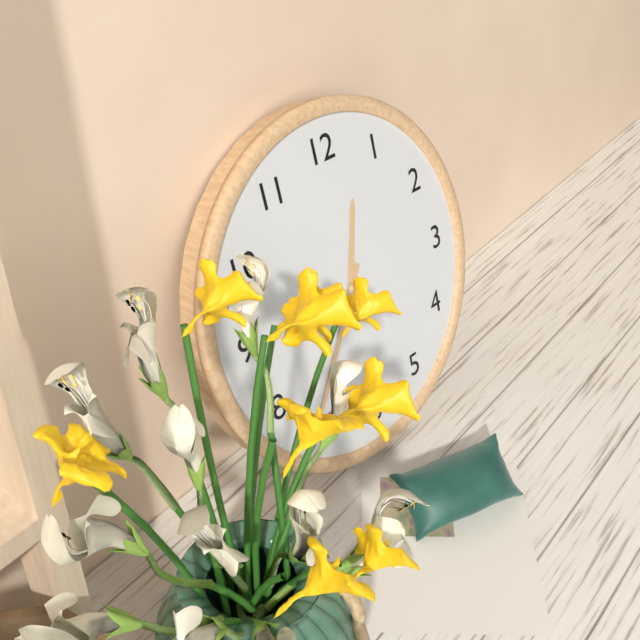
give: {"hour": 12, "minute": 36}
